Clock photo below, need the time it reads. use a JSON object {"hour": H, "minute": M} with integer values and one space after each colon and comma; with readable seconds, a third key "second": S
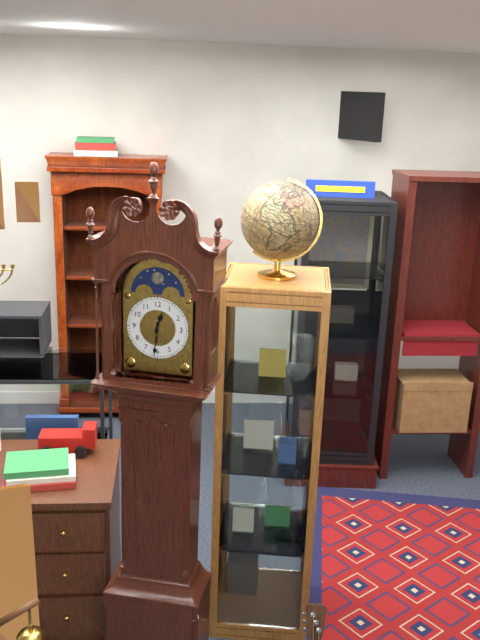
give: {"hour": 12, "minute": 31}
